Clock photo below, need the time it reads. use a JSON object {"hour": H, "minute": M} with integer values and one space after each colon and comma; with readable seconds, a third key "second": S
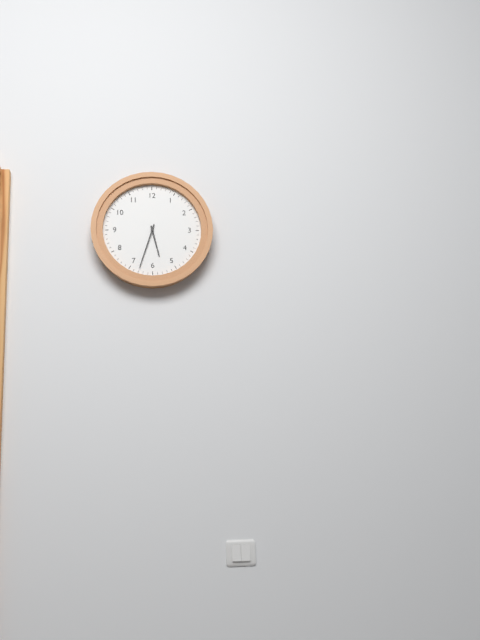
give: {"hour": 5, "minute": 33}
